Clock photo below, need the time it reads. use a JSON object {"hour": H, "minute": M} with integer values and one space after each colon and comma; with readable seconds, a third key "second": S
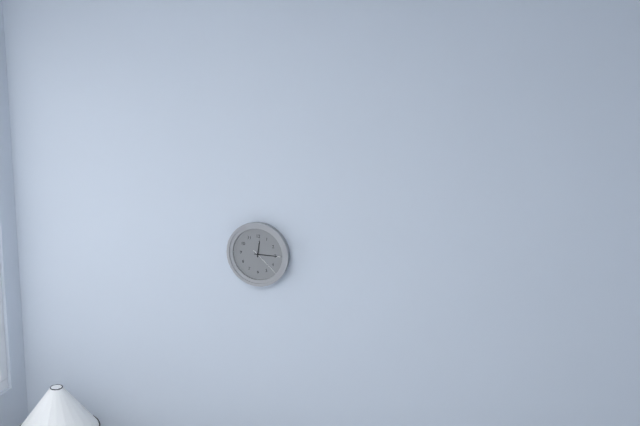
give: {"hour": 12, "minute": 15}
